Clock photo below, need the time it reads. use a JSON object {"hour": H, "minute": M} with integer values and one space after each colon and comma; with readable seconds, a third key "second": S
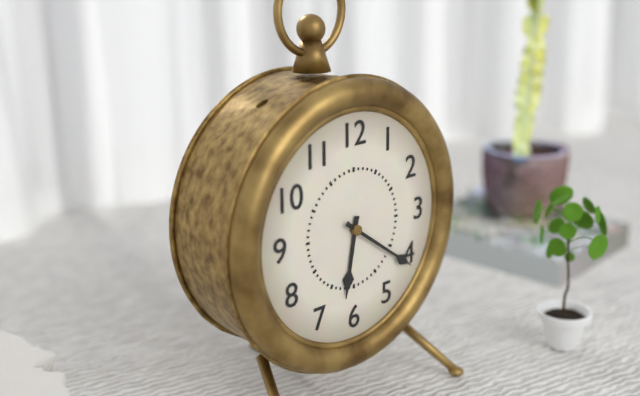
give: {"hour": 6, "minute": 21}
